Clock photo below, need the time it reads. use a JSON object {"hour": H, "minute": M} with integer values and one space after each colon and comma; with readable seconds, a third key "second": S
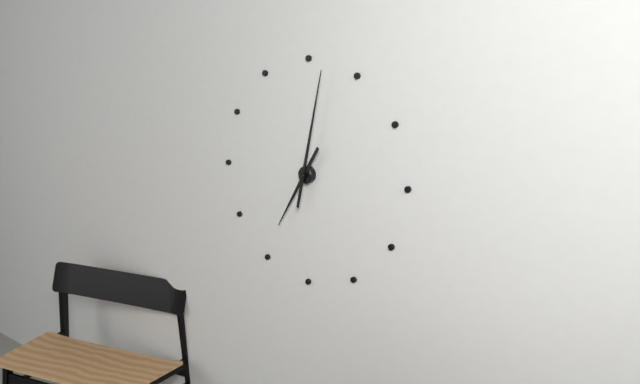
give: {"hour": 7, "minute": 2}
